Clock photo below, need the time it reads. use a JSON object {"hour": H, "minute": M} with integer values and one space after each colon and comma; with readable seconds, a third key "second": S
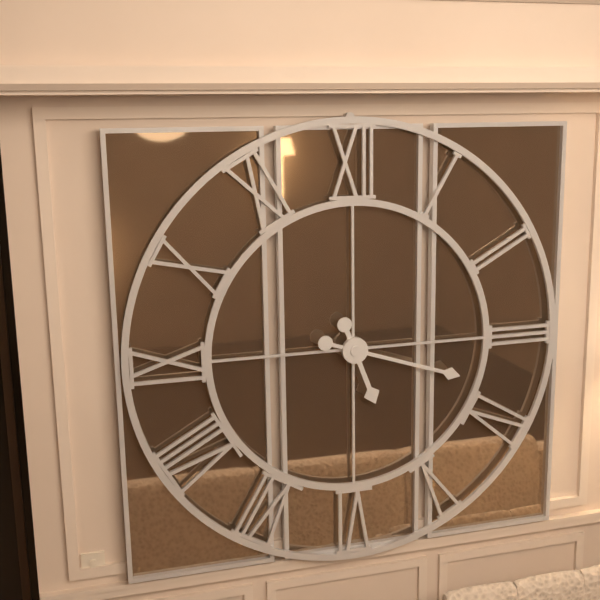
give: {"hour": 5, "minute": 18}
